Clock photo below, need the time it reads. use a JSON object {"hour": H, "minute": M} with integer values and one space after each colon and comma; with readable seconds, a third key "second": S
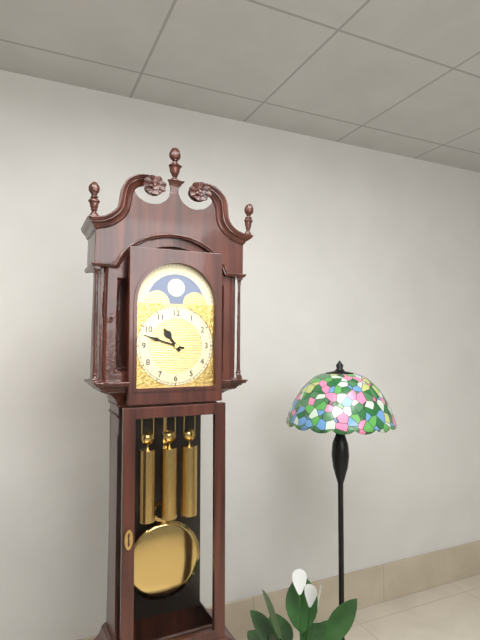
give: {"hour": 10, "minute": 48}
